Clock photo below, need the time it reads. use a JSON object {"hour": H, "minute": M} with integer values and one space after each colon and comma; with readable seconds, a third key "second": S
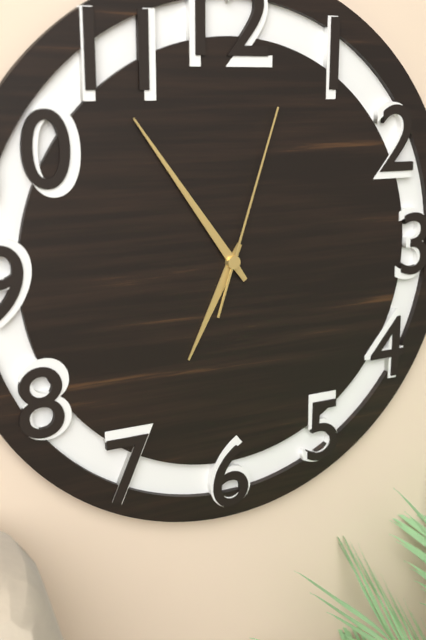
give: {"hour": 6, "minute": 54, "second": 3}
